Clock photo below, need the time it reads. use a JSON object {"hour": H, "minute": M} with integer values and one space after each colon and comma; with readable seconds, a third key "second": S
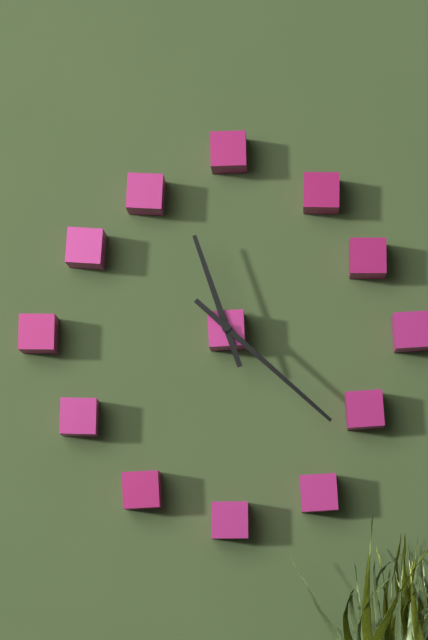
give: {"hour": 11, "minute": 22}
